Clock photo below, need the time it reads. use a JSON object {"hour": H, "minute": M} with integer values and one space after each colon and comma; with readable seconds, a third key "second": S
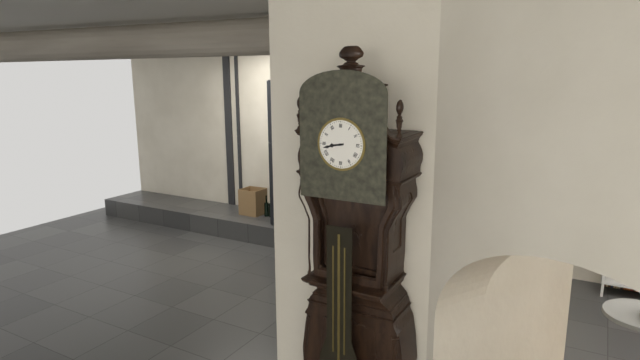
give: {"hour": 8, "minute": 43}
